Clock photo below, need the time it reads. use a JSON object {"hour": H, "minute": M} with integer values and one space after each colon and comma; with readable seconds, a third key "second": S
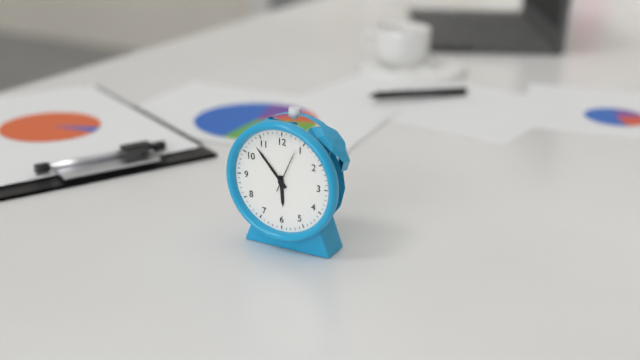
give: {"hour": 5, "minute": 53}
